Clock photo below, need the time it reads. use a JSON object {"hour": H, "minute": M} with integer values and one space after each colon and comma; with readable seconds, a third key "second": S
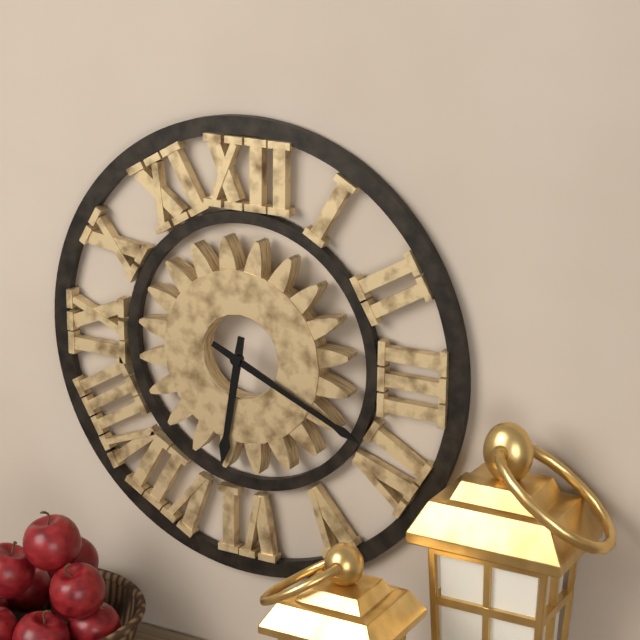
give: {"hour": 6, "minute": 19}
